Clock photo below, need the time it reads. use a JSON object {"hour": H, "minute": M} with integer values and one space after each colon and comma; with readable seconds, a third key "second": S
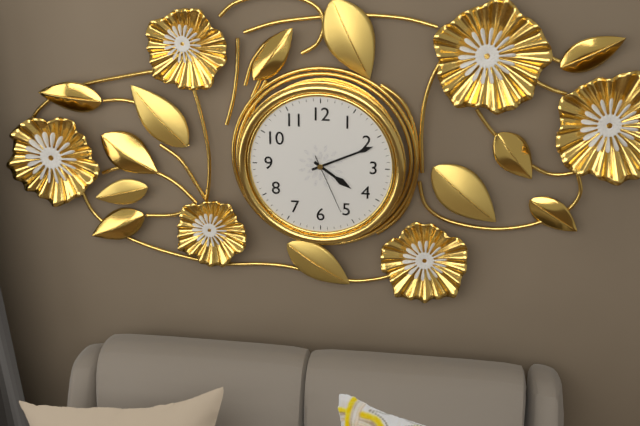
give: {"hour": 4, "minute": 11, "second": 26}
